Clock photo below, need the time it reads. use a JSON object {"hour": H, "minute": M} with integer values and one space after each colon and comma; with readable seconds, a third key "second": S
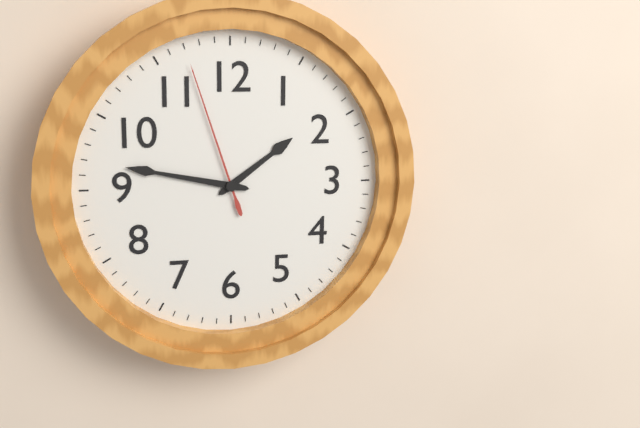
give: {"hour": 1, "minute": 47, "second": 57}
